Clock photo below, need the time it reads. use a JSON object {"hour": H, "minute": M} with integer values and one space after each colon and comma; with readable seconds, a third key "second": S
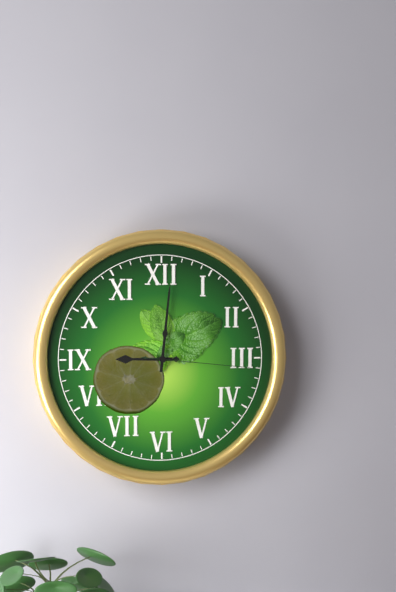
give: {"hour": 9, "minute": 1, "second": 16}
